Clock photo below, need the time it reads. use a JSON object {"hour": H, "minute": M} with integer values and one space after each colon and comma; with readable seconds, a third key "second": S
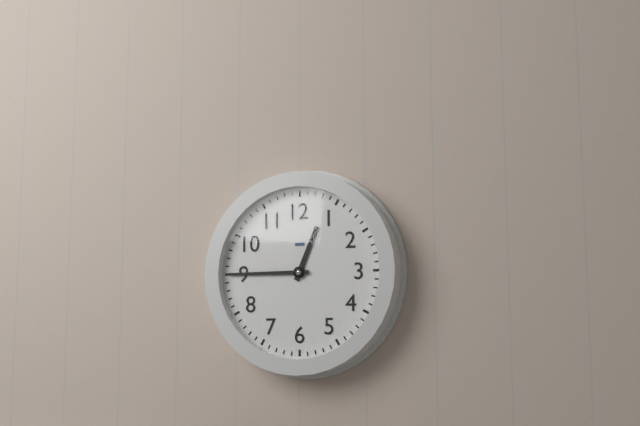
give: {"hour": 12, "minute": 45}
